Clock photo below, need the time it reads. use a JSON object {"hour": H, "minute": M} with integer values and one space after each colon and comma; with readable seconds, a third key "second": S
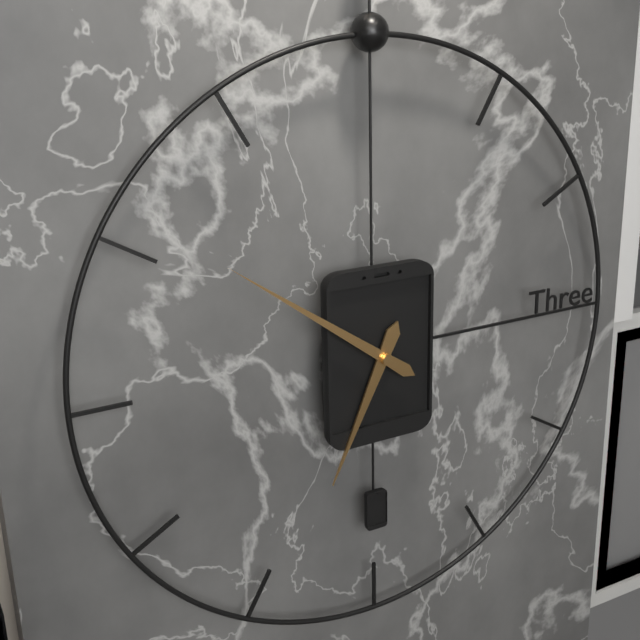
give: {"hour": 6, "minute": 51}
